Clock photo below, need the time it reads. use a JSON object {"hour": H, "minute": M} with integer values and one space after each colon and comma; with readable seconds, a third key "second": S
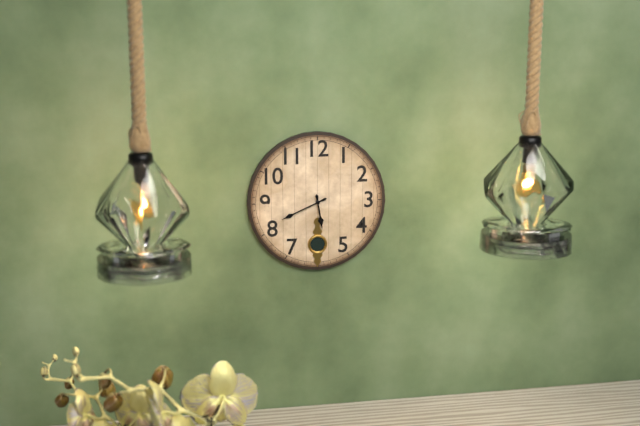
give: {"hour": 5, "minute": 41}
